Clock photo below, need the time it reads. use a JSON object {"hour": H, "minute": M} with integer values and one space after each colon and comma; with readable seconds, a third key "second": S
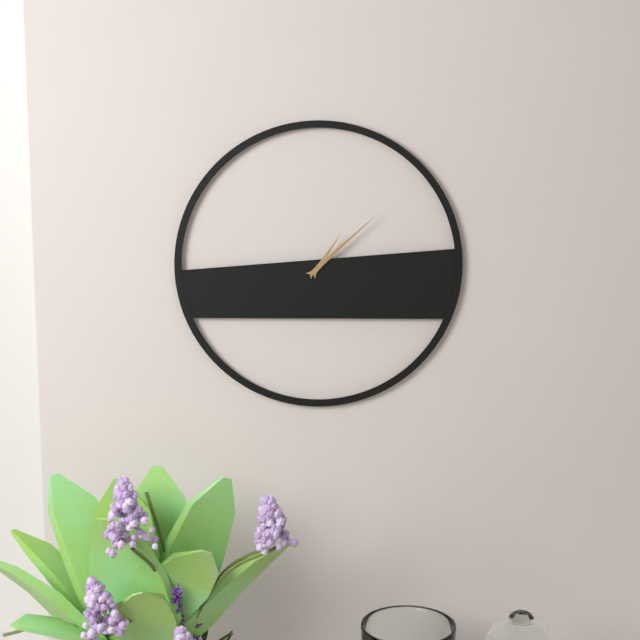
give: {"hour": 1, "minute": 8}
